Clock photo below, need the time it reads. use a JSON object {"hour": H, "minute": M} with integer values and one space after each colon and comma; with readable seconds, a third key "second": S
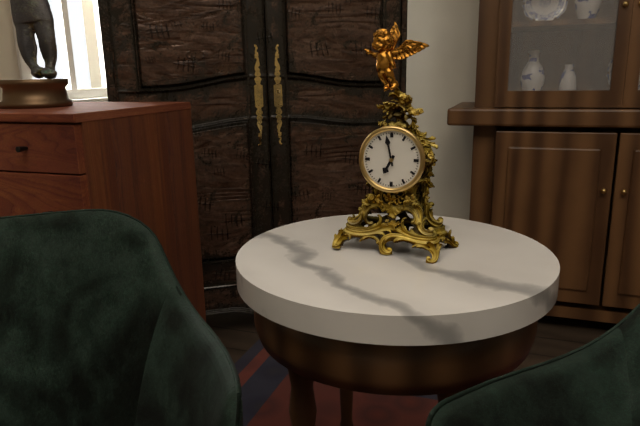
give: {"hour": 6, "minute": 58}
